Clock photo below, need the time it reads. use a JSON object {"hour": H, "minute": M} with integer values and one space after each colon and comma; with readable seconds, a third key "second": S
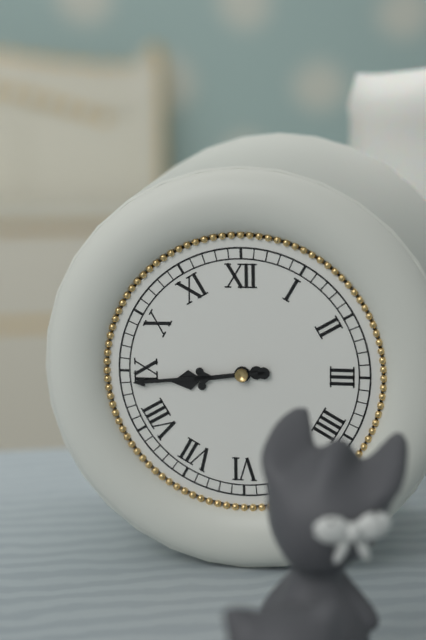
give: {"hour": 8, "minute": 44}
